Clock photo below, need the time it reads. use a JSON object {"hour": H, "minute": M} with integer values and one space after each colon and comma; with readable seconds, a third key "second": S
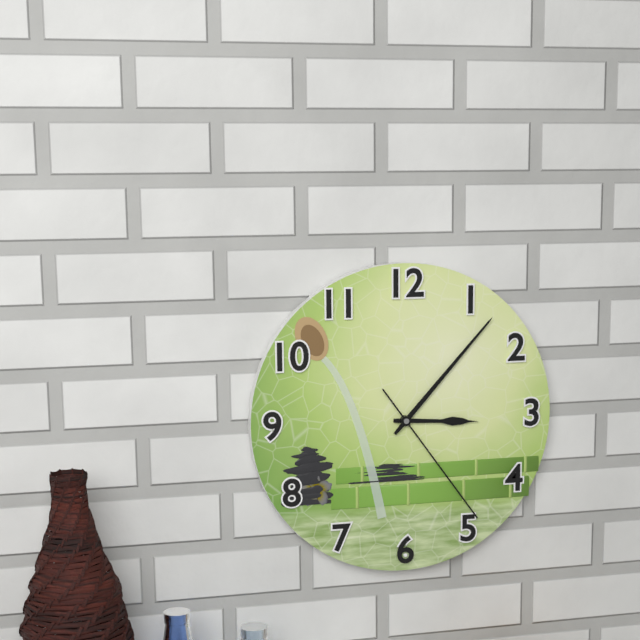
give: {"hour": 3, "minute": 7, "second": 24}
